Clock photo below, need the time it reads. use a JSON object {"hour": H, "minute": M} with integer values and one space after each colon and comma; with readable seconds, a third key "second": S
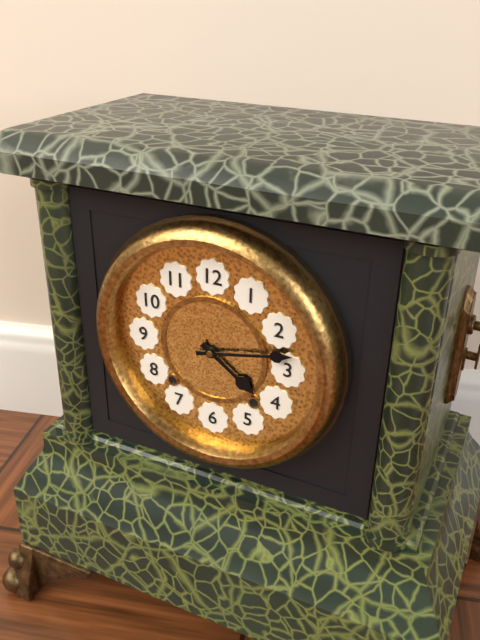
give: {"hour": 4, "minute": 13}
